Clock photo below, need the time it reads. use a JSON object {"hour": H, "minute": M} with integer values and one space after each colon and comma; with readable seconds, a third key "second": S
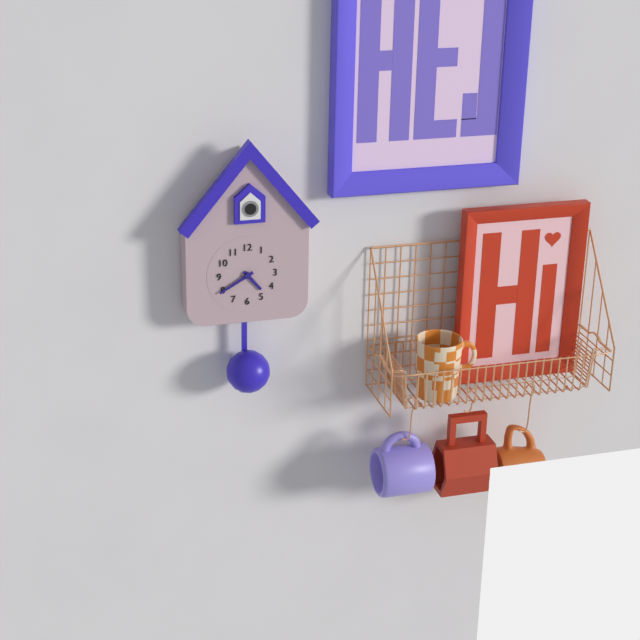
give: {"hour": 4, "minute": 40}
